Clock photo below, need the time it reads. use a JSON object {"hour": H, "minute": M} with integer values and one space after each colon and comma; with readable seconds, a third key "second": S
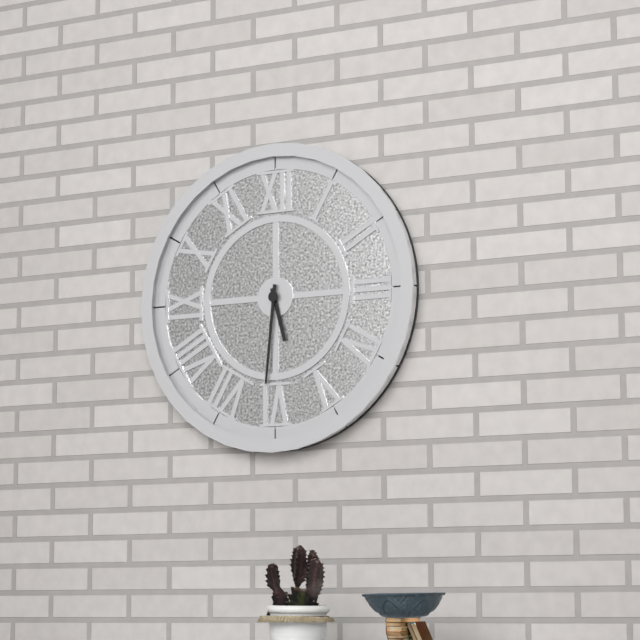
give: {"hour": 5, "minute": 31}
